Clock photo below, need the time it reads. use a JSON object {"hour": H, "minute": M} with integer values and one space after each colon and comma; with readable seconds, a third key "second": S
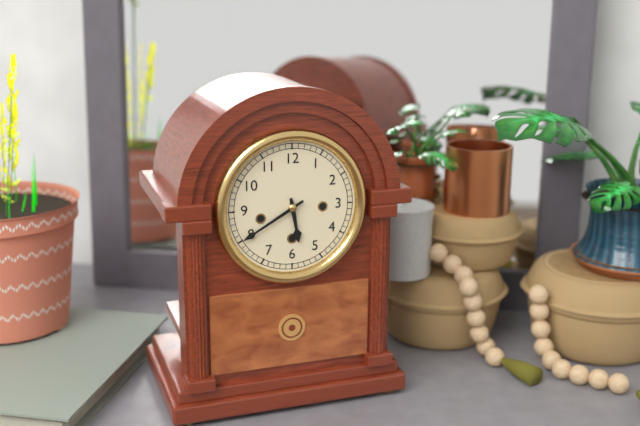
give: {"hour": 5, "minute": 40}
